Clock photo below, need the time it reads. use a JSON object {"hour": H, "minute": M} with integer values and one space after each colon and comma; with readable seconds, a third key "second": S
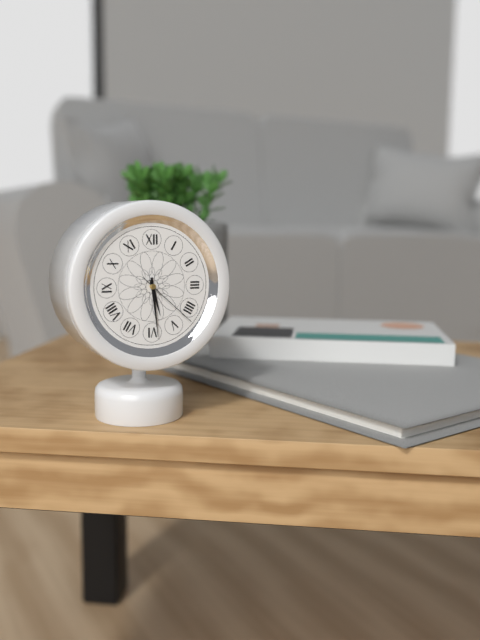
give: {"hour": 5, "minute": 29, "second": 22}
